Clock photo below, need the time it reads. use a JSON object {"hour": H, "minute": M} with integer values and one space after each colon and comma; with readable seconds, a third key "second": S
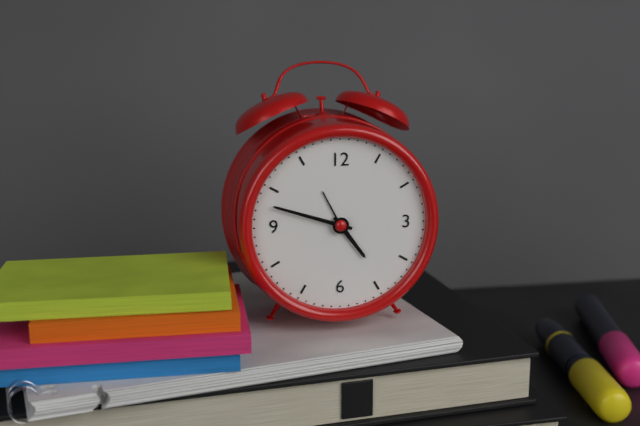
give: {"hour": 4, "minute": 48}
